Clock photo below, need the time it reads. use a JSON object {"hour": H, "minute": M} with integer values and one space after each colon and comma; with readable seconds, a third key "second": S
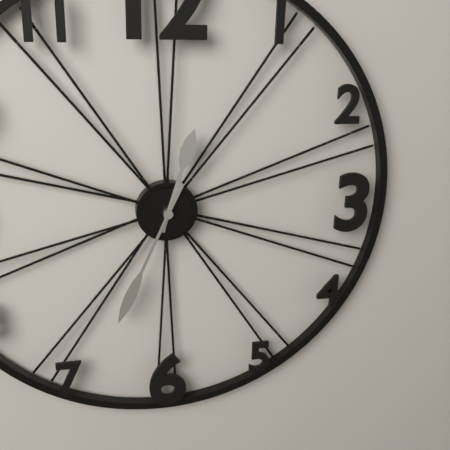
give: {"hour": 12, "minute": 34}
